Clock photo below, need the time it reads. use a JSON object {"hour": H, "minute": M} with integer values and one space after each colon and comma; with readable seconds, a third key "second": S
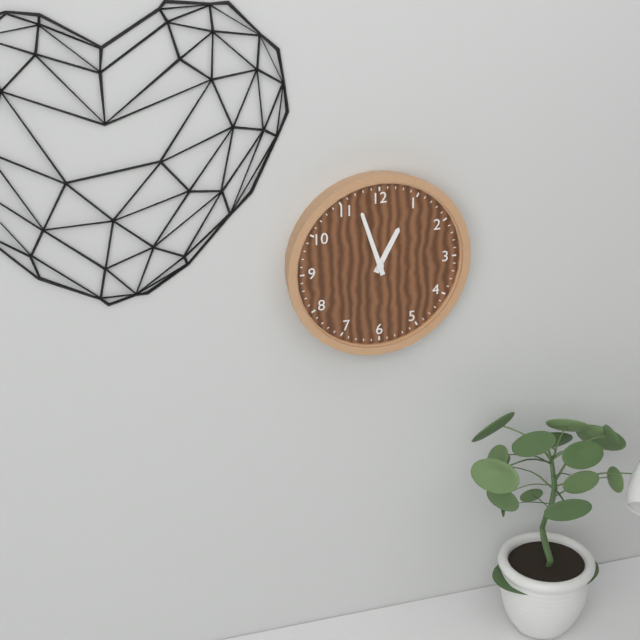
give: {"hour": 12, "minute": 57}
